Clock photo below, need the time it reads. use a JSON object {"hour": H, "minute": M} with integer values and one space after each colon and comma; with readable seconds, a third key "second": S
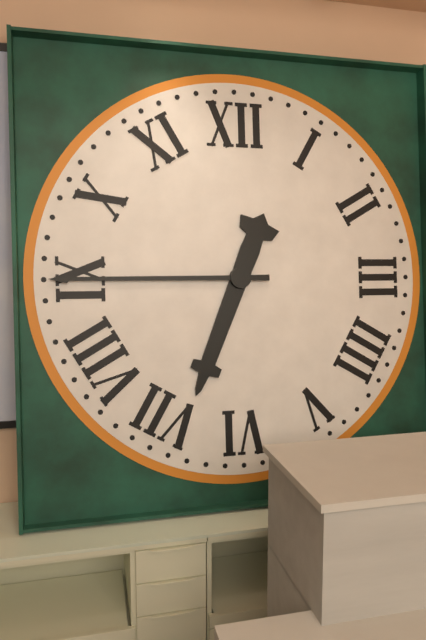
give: {"hour": 6, "minute": 45}
